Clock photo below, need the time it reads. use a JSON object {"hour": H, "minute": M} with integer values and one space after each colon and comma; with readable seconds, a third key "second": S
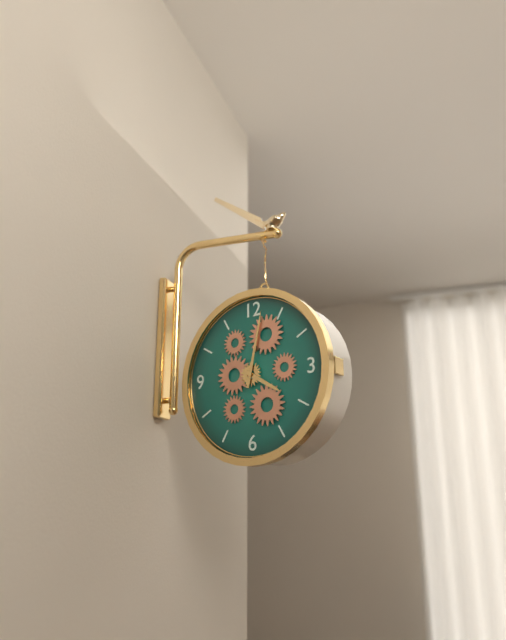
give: {"hour": 4, "minute": 2}
